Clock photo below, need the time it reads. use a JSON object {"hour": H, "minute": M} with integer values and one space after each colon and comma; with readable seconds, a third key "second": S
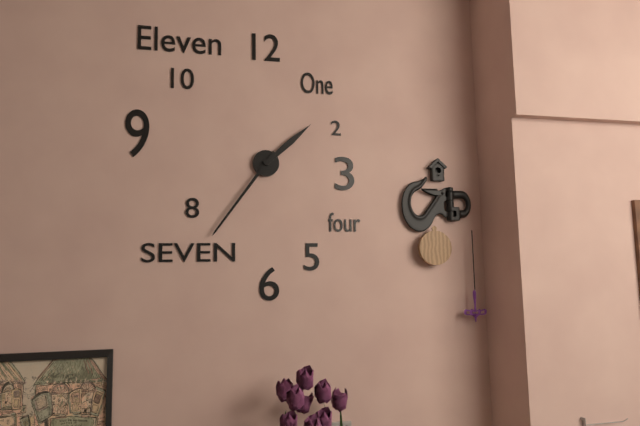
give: {"hour": 1, "minute": 36}
